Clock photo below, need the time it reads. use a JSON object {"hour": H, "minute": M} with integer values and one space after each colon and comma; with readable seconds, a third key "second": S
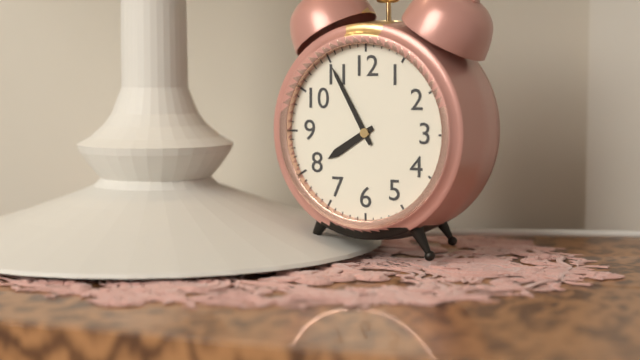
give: {"hour": 7, "minute": 55}
